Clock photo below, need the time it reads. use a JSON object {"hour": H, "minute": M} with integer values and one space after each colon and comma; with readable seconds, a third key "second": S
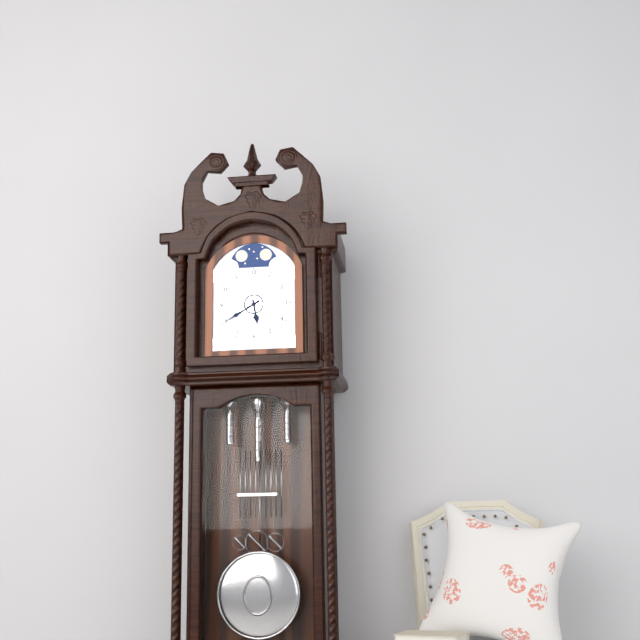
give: {"hour": 5, "minute": 40}
